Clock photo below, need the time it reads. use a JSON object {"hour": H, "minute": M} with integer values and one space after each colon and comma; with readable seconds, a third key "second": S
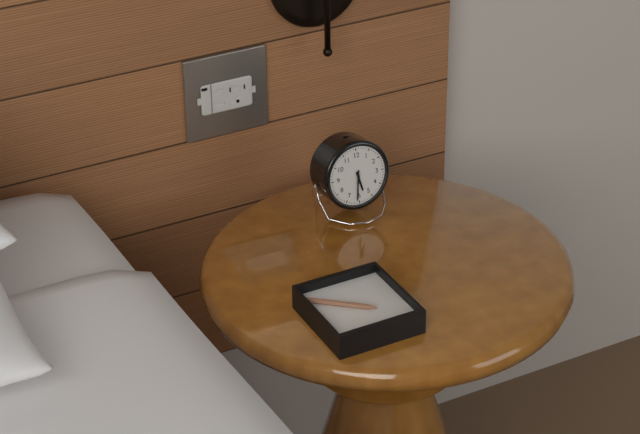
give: {"hour": 5, "minute": 31}
